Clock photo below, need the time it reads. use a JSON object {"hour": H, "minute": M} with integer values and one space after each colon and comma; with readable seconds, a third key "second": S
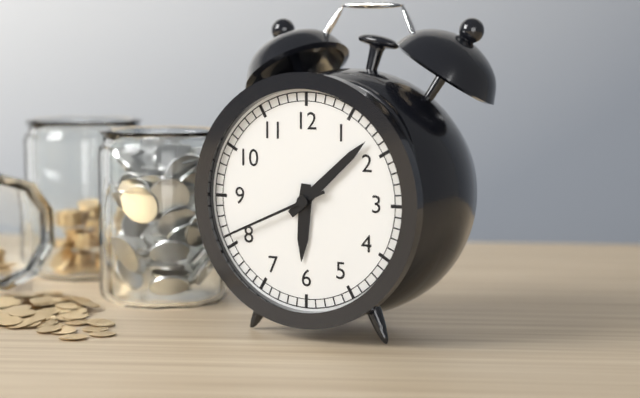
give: {"hour": 6, "minute": 8, "second": 41}
